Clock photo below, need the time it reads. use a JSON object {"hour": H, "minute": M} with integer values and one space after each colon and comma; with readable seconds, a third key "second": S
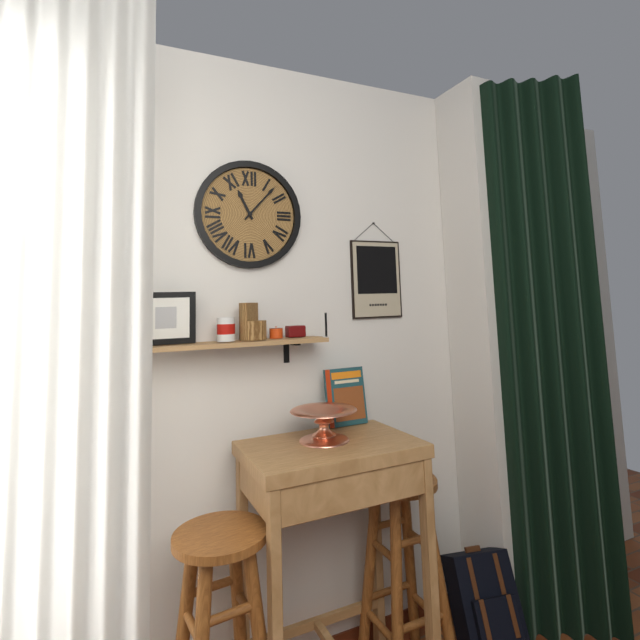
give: {"hour": 11, "minute": 7}
